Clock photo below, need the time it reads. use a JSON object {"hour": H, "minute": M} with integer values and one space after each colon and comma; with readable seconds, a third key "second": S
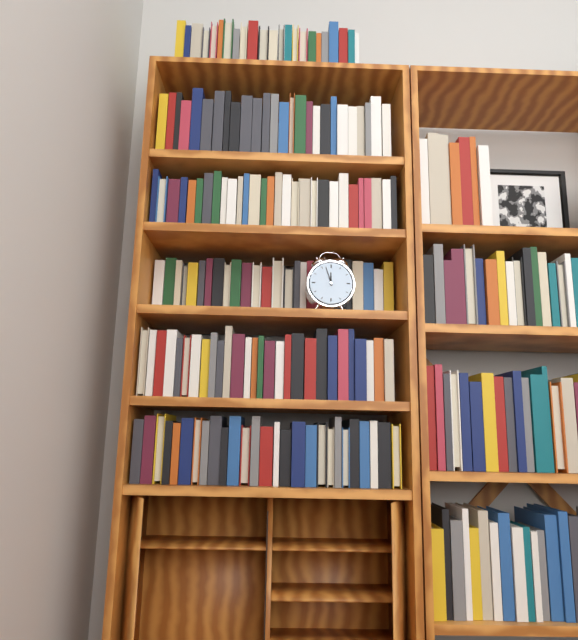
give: {"hour": 11, "minute": 57}
